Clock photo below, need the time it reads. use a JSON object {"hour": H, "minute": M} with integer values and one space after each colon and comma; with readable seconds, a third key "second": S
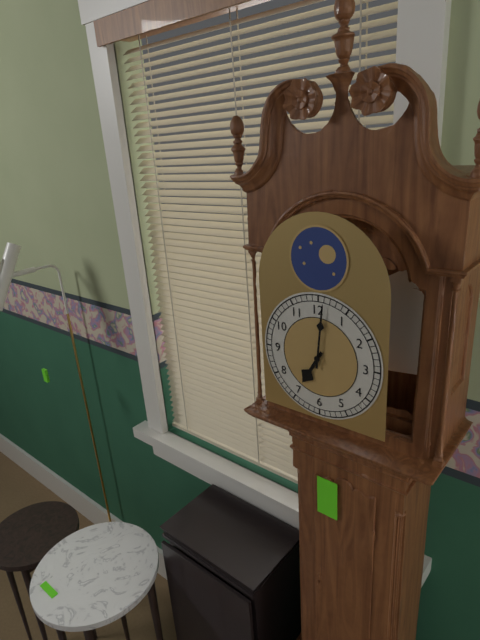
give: {"hour": 7, "minute": 1}
